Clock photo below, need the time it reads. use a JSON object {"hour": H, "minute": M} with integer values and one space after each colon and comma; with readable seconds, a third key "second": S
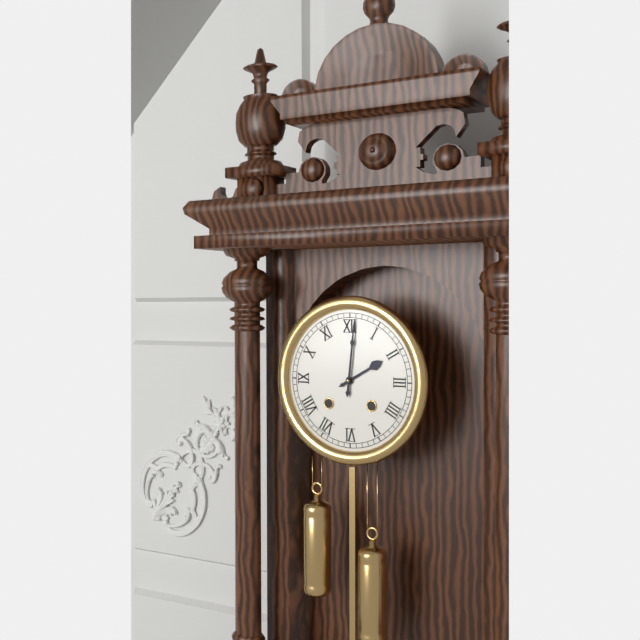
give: {"hour": 2, "minute": 1}
